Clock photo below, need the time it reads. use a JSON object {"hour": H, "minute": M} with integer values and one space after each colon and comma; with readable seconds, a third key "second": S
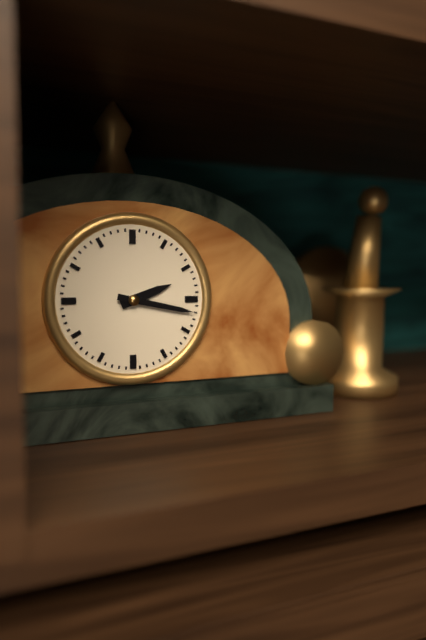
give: {"hour": 2, "minute": 17}
